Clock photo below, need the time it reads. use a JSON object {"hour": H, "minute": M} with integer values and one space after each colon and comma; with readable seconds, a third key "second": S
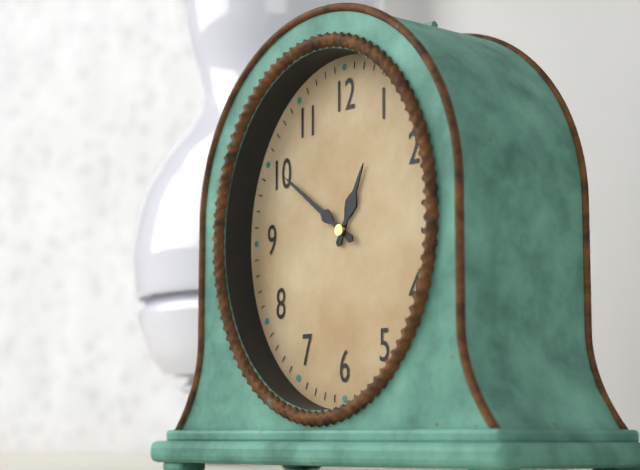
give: {"hour": 12, "minute": 51}
